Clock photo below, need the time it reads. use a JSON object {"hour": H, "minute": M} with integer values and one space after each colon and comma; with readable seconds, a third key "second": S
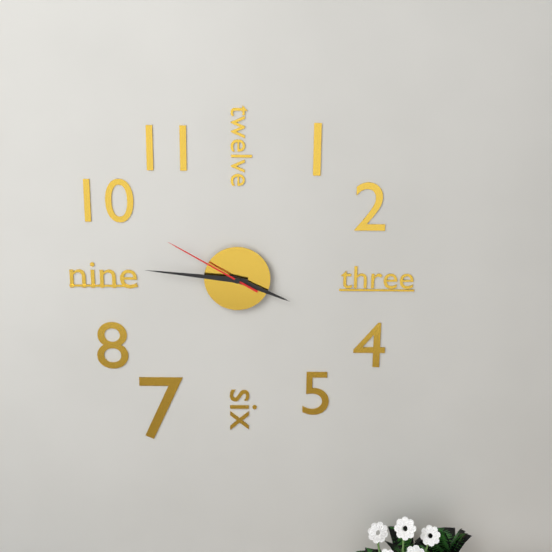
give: {"hour": 3, "minute": 46, "second": 50}
